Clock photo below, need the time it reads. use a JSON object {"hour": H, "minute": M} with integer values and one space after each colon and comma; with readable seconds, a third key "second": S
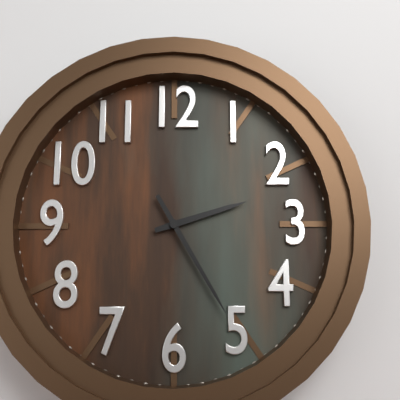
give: {"hour": 2, "minute": 25}
